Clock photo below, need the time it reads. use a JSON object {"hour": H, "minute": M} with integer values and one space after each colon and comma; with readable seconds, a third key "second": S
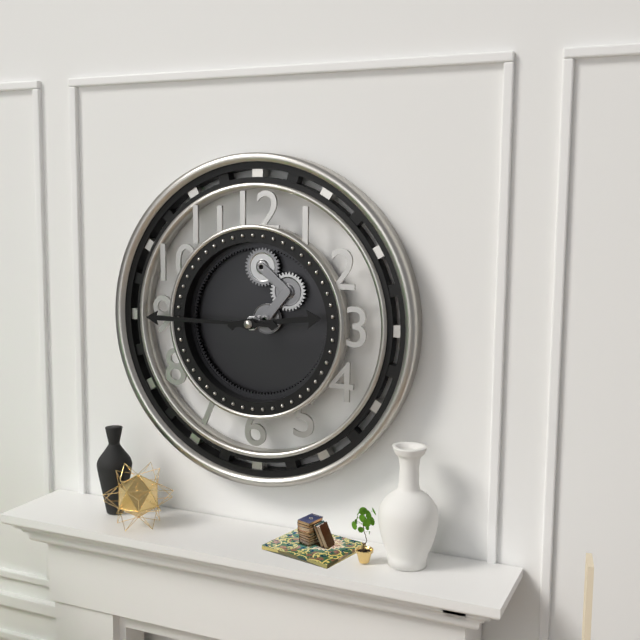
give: {"hour": 2, "minute": 45}
